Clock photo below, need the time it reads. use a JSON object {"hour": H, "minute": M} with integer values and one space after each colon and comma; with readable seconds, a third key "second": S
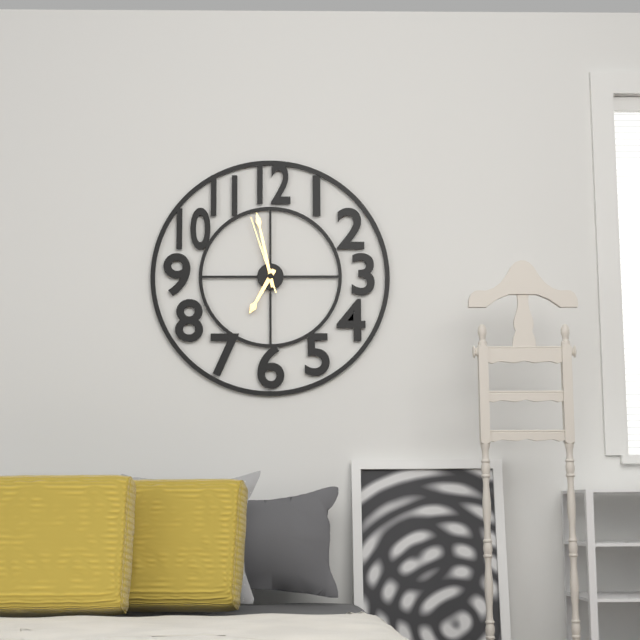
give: {"hour": 6, "minute": 58, "second": 57}
